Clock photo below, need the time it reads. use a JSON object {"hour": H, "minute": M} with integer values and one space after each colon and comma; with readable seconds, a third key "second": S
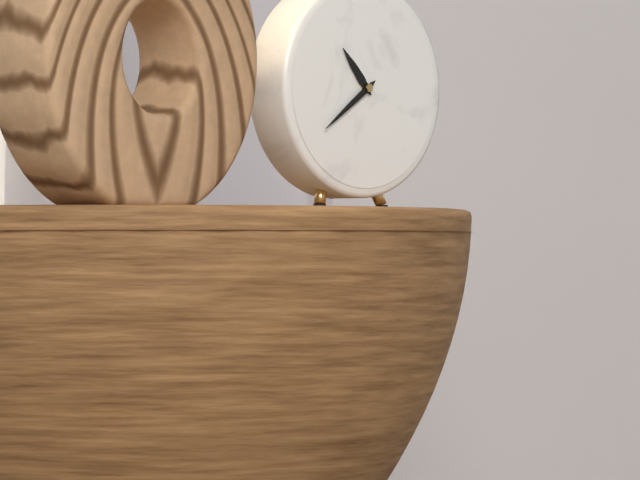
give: {"hour": 10, "minute": 39}
